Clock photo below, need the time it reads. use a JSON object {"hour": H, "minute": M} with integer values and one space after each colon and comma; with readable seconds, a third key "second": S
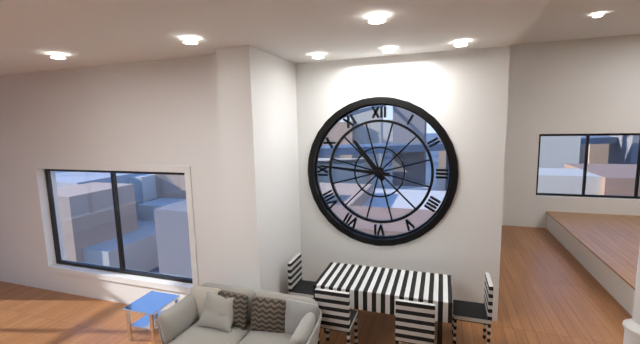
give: {"hour": 10, "minute": 46}
